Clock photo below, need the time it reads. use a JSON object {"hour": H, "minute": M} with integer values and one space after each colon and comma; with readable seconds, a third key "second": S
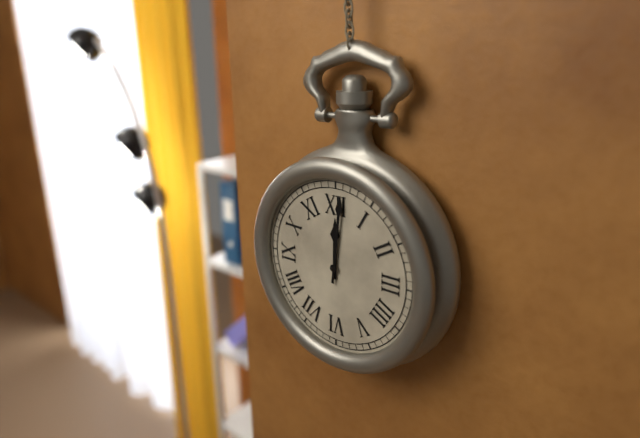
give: {"hour": 12, "minute": 1}
